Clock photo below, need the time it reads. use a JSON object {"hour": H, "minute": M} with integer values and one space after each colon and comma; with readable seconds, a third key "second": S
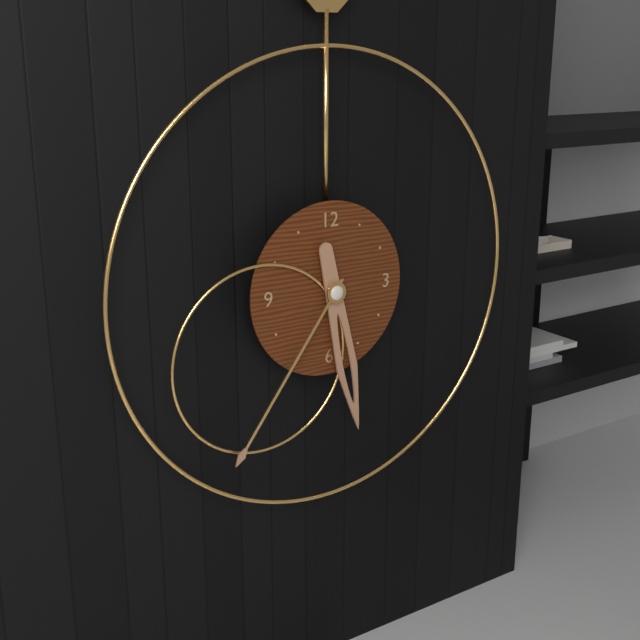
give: {"hour": 5, "minute": 36}
